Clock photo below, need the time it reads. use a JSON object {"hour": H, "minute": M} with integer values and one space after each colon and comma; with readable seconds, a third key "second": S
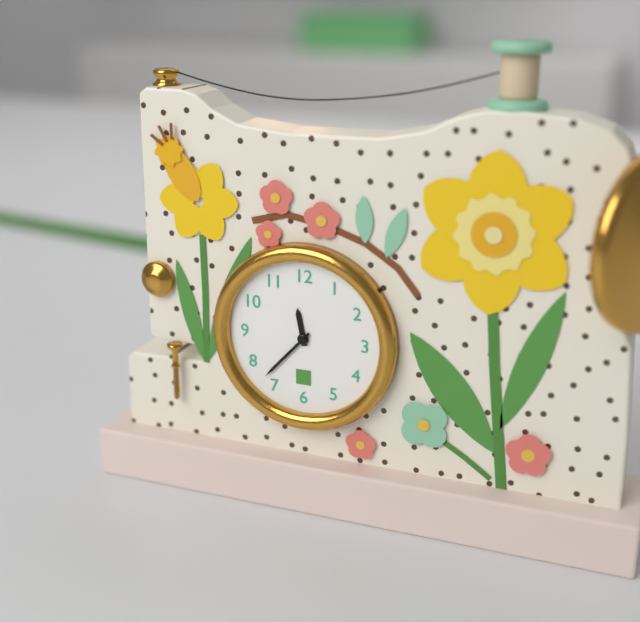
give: {"hour": 11, "minute": 37}
